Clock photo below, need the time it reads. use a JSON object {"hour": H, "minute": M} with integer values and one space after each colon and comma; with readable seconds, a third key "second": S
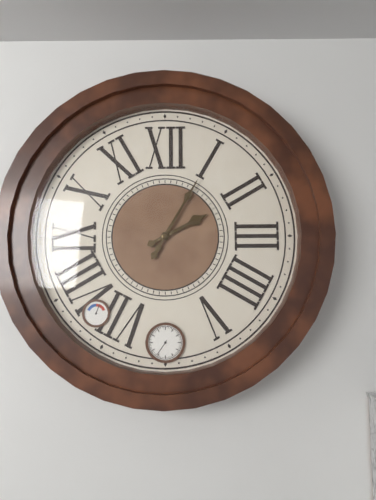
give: {"hour": 2, "minute": 5}
